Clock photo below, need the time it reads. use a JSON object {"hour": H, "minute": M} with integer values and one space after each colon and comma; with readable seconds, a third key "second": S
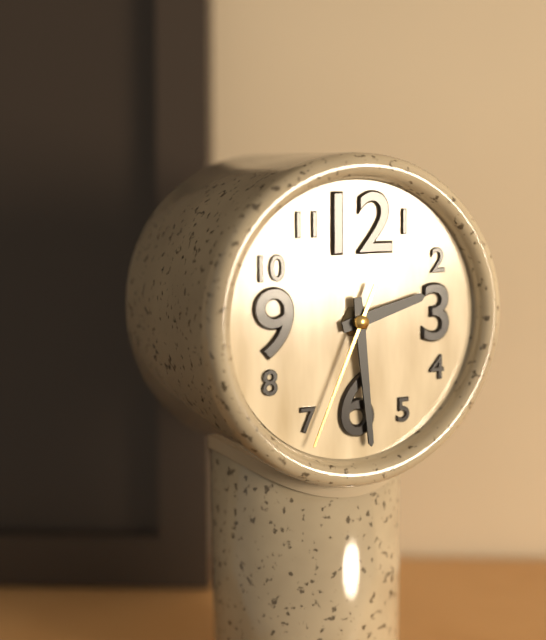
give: {"hour": 2, "minute": 29, "second": 34}
